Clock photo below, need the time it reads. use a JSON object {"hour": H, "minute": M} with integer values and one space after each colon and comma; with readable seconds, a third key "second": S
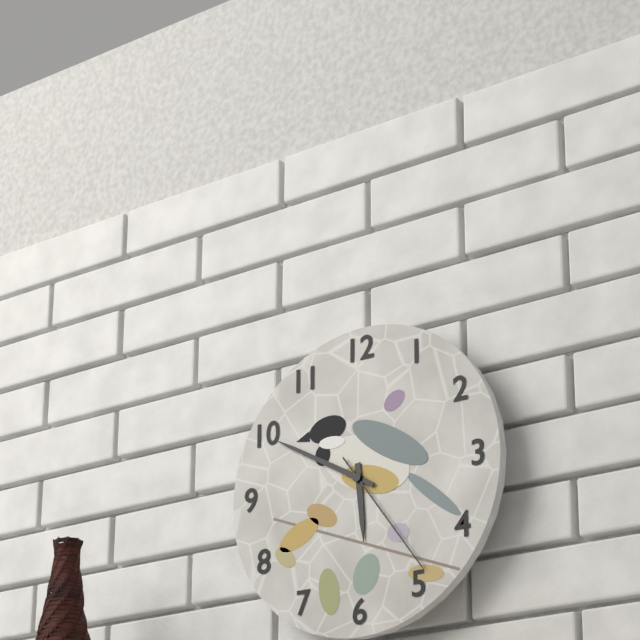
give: {"hour": 5, "minute": 50, "second": 24}
